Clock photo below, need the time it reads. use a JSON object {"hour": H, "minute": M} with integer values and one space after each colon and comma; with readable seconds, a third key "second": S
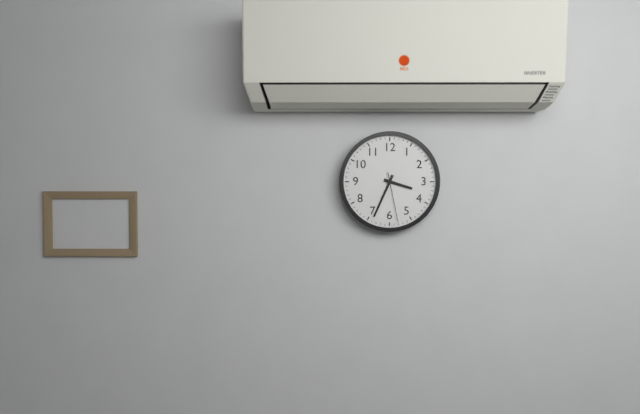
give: {"hour": 3, "minute": 34, "second": 28}
